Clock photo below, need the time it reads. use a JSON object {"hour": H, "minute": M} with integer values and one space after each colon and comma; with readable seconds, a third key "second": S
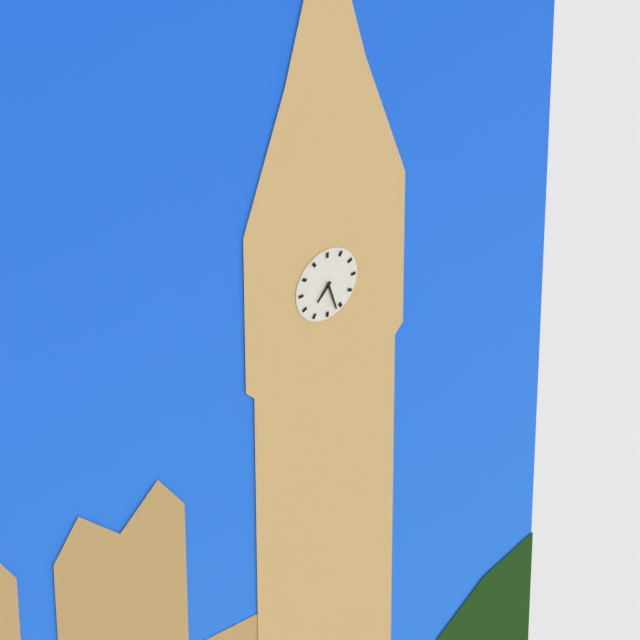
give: {"hour": 7, "minute": 27}
